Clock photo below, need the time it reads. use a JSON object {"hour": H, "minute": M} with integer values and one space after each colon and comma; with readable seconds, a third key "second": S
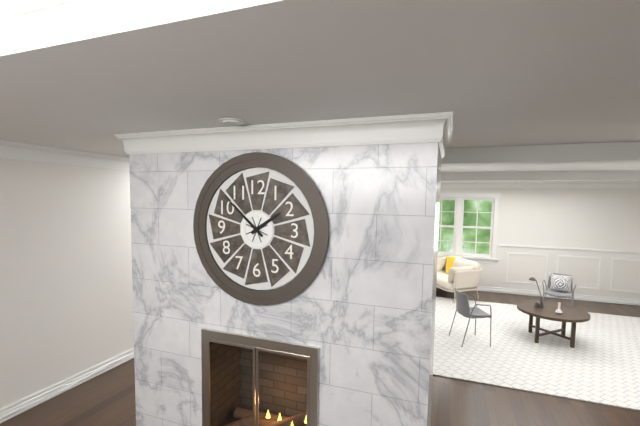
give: {"hour": 1, "minute": 52}
